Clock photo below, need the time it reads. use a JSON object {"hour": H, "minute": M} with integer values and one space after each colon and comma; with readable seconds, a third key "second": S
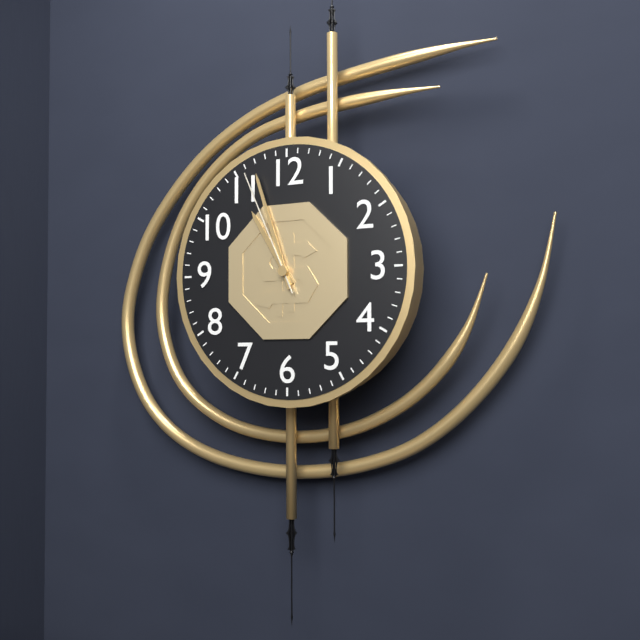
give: {"hour": 10, "minute": 57, "second": 56}
